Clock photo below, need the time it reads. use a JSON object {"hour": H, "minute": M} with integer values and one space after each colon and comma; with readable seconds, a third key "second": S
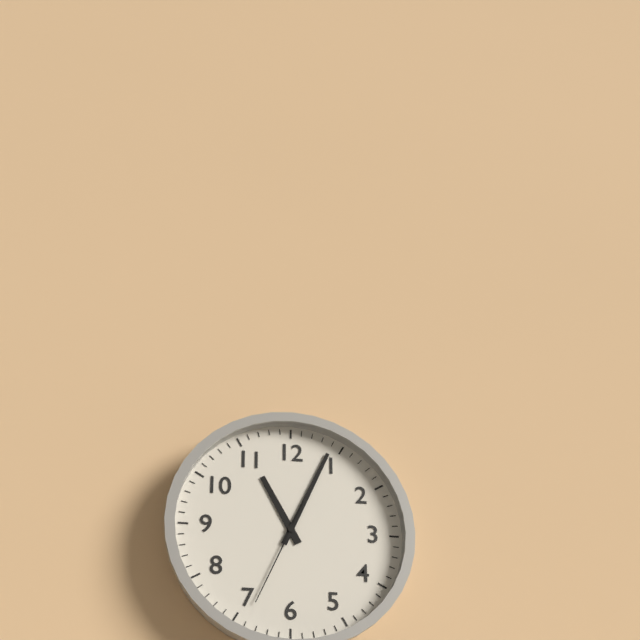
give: {"hour": 11, "minute": 4, "second": 34}
